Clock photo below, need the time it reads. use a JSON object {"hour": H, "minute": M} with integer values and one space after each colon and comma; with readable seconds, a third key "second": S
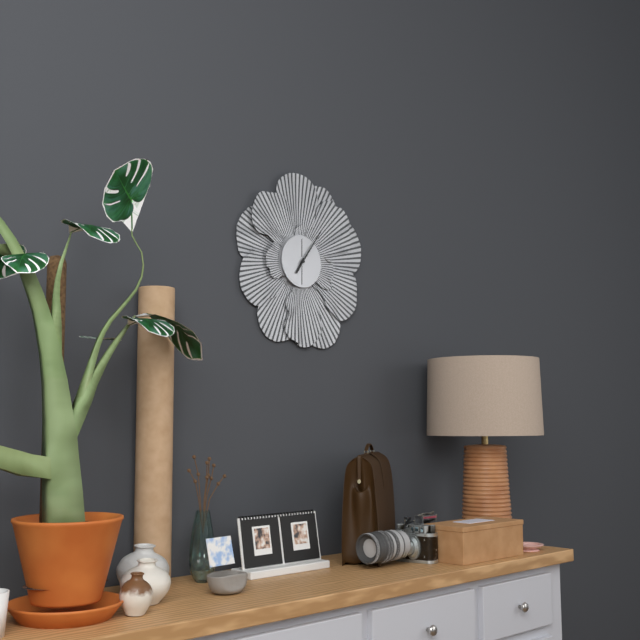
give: {"hour": 7, "minute": 6}
